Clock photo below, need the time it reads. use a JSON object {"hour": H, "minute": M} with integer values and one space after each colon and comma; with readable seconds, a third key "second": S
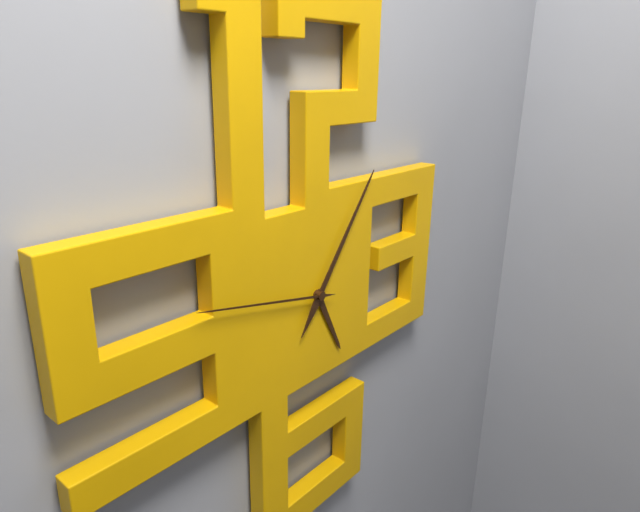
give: {"hour": 5, "minute": 6, "second": 47}
